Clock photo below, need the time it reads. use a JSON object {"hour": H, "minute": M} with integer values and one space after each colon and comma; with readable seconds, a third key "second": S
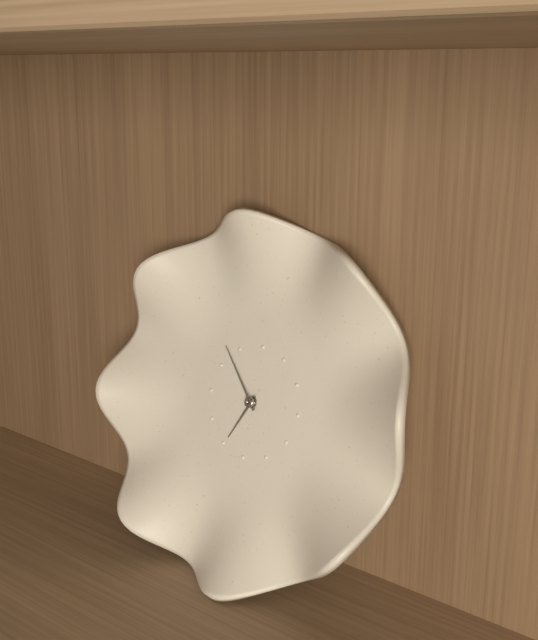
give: {"hour": 6, "minute": 53}
